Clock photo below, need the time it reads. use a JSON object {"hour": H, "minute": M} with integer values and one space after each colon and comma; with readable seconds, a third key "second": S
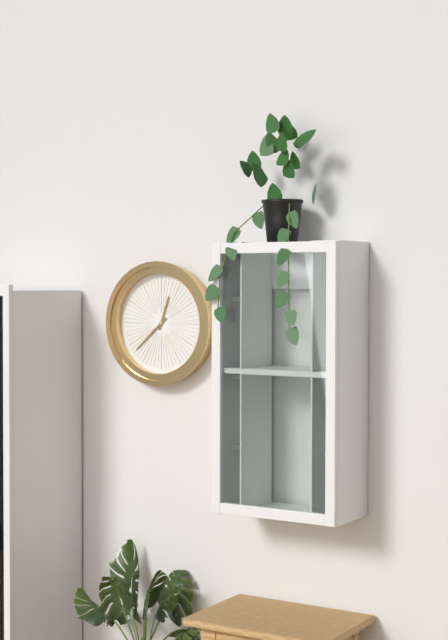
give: {"hour": 12, "minute": 38}
